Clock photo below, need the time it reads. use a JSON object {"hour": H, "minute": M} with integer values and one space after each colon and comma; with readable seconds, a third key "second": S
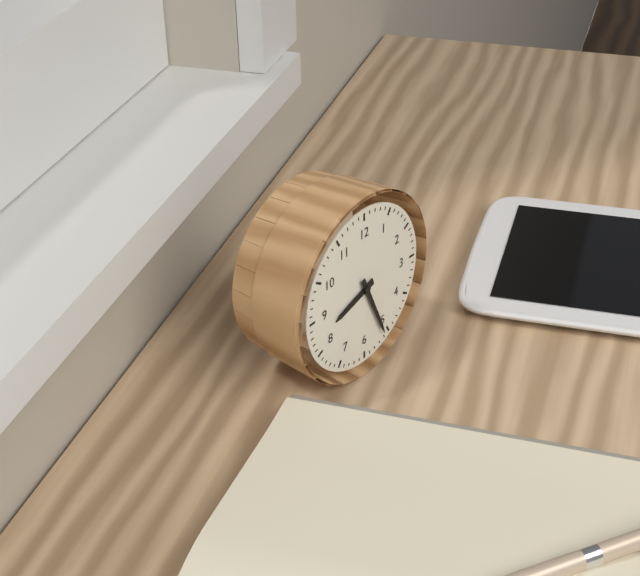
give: {"hour": 8, "minute": 26}
